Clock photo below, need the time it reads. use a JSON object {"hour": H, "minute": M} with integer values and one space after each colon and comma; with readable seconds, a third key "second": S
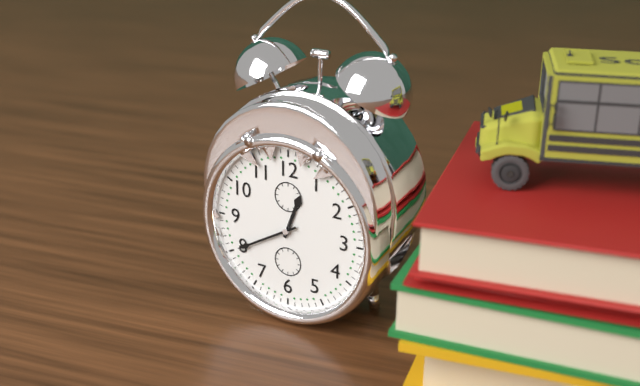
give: {"hour": 12, "minute": 40}
